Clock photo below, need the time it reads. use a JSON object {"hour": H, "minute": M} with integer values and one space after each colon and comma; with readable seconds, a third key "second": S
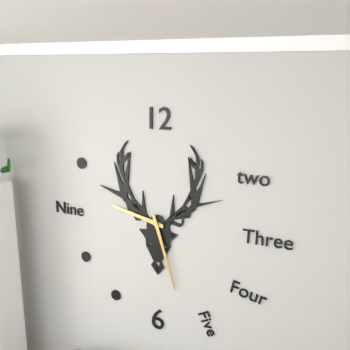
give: {"hour": 9, "minute": 27}
